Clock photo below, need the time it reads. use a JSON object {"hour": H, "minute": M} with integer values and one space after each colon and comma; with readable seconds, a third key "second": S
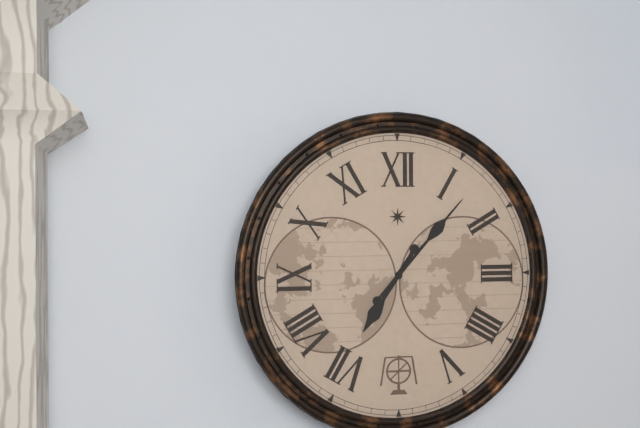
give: {"hour": 7, "minute": 7}
